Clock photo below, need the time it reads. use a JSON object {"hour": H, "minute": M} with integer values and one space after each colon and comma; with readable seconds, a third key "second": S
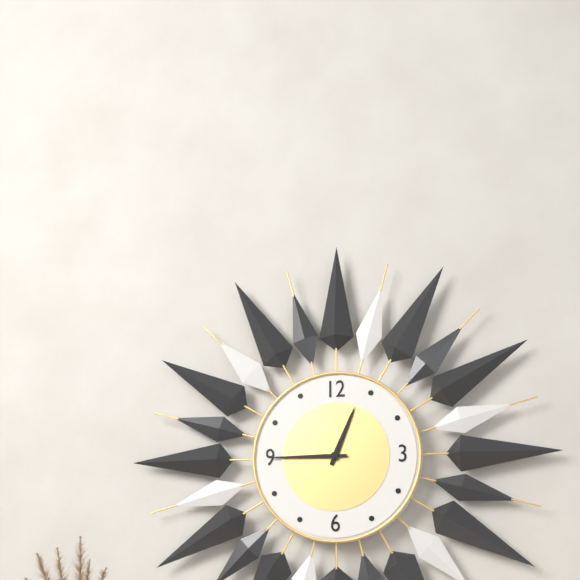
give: {"hour": 12, "minute": 45}
